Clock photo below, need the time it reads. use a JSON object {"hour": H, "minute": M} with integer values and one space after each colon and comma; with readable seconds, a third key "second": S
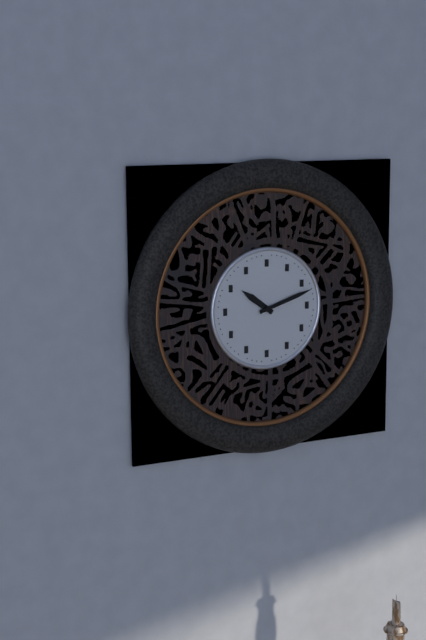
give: {"hour": 10, "minute": 12}
